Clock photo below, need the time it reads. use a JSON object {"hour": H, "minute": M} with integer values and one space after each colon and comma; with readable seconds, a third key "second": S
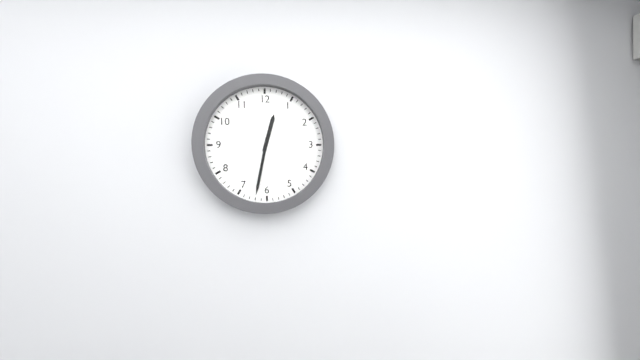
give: {"hour": 12, "minute": 32}
